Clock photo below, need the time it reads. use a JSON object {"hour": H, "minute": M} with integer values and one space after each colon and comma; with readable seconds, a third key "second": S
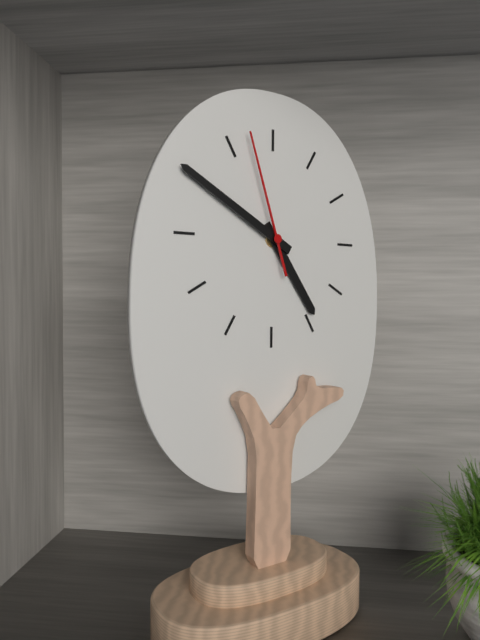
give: {"hour": 4, "minute": 50, "second": 57}
